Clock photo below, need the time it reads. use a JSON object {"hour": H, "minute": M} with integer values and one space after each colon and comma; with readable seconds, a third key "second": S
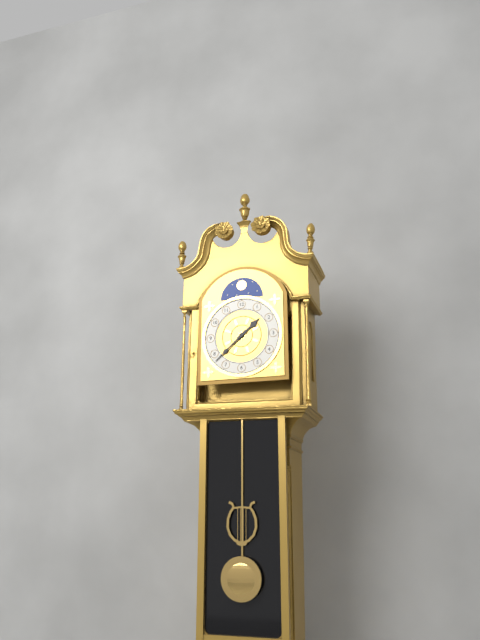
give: {"hour": 1, "minute": 38}
